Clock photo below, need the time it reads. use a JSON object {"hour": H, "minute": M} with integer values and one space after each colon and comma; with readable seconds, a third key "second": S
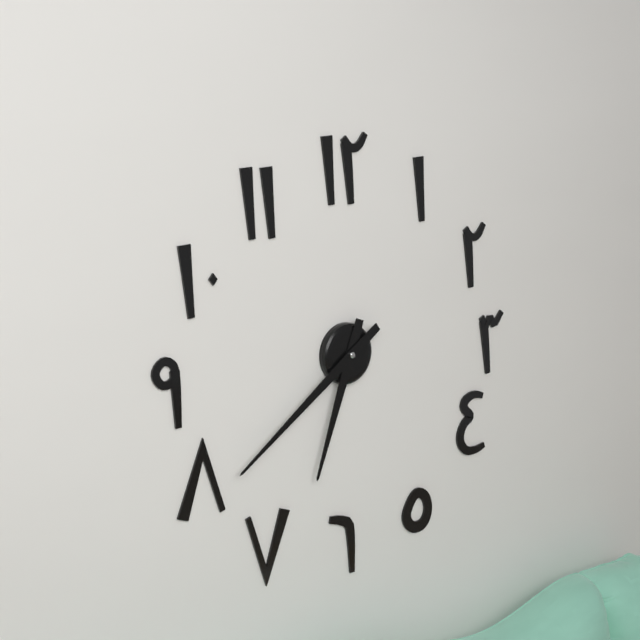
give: {"hour": 6, "minute": 39}
